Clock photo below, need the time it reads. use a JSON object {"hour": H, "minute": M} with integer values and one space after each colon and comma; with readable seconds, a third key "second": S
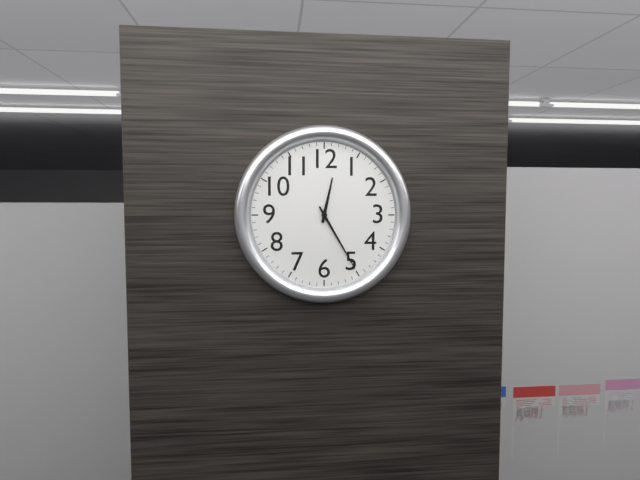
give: {"hour": 12, "minute": 25}
